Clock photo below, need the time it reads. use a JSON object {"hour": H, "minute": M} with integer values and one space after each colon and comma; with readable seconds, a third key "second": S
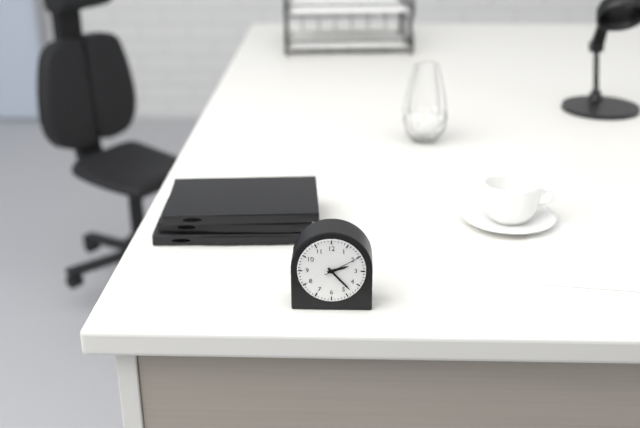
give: {"hour": 2, "minute": 23}
